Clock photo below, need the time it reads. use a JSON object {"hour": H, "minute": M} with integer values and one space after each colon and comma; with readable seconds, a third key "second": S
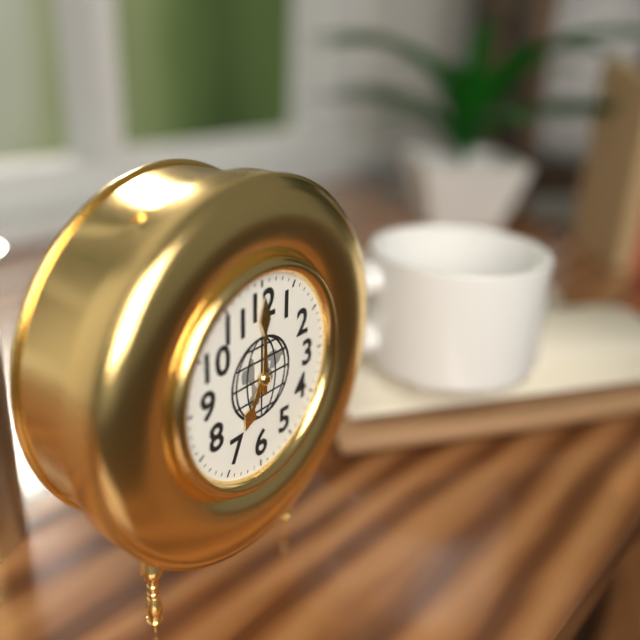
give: {"hour": 7, "minute": 0}
